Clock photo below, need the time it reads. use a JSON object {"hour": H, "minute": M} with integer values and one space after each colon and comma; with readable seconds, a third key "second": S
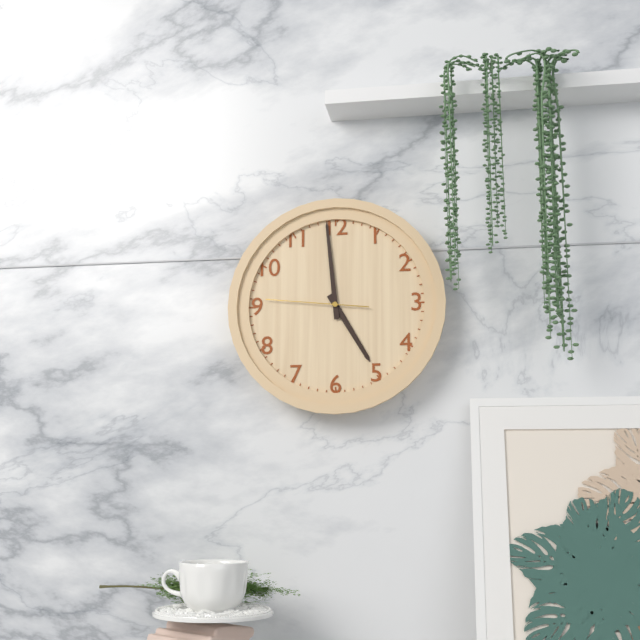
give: {"hour": 4, "minute": 59, "second": 46}
